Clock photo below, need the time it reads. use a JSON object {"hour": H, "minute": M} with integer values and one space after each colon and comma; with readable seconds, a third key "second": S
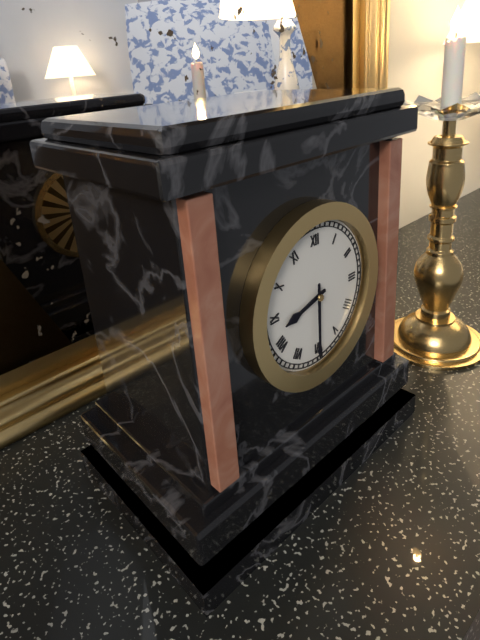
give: {"hour": 8, "minute": 30}
